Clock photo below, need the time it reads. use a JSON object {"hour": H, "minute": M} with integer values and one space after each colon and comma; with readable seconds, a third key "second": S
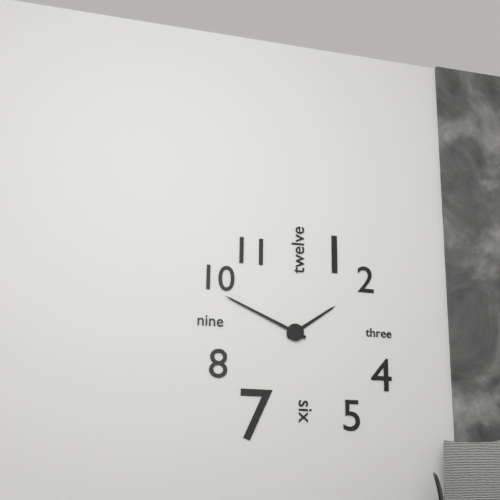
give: {"hour": 1, "minute": 49}
